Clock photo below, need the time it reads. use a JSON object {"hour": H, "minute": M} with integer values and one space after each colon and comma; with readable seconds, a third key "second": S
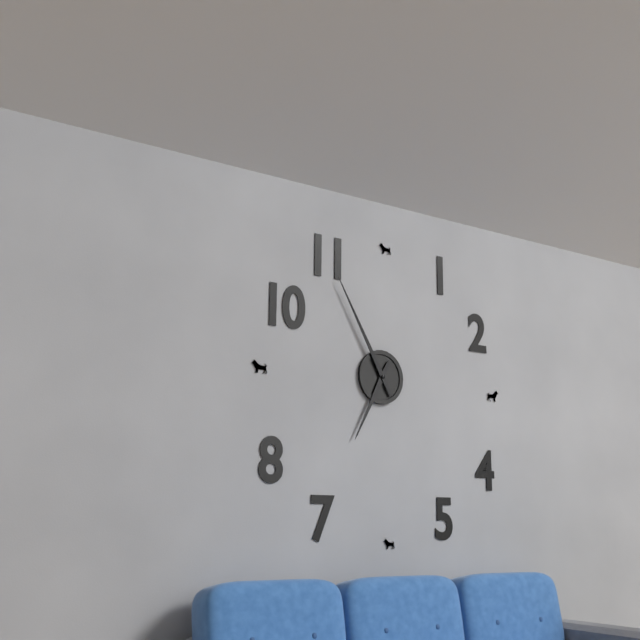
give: {"hour": 6, "minute": 55}
